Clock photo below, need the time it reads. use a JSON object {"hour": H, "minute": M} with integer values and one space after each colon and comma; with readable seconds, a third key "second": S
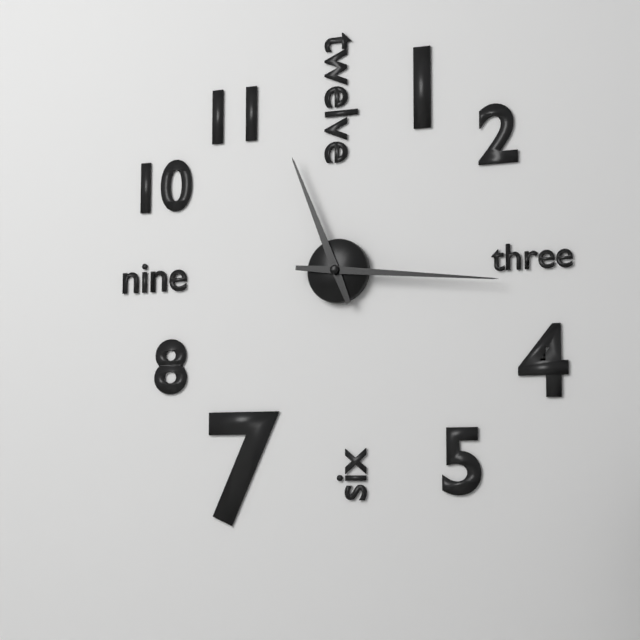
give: {"hour": 11, "minute": 16}
